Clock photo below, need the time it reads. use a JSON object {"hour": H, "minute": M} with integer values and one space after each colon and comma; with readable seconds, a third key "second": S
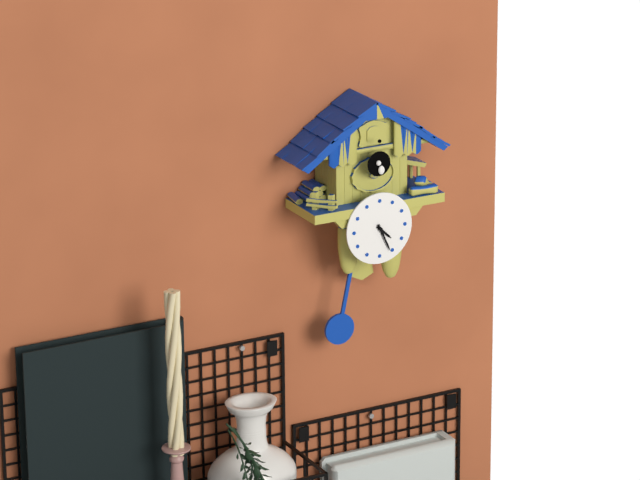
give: {"hour": 4, "minute": 26}
